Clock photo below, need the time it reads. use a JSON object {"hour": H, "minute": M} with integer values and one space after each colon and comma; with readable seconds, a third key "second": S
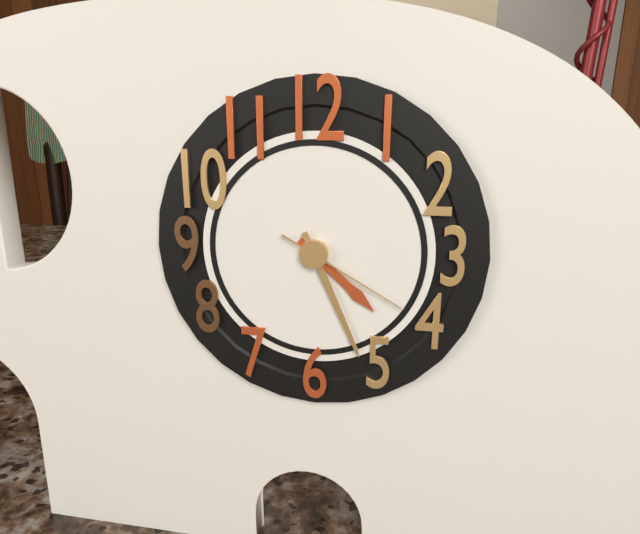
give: {"hour": 4, "minute": 26, "second": 20}
